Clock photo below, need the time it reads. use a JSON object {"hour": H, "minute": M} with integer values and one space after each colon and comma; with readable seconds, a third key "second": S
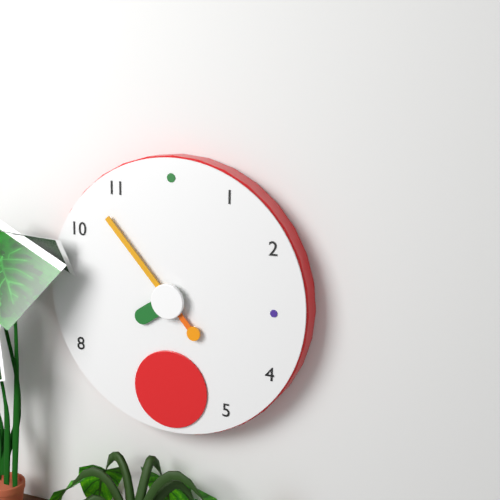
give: {"hour": 7, "minute": 53}
